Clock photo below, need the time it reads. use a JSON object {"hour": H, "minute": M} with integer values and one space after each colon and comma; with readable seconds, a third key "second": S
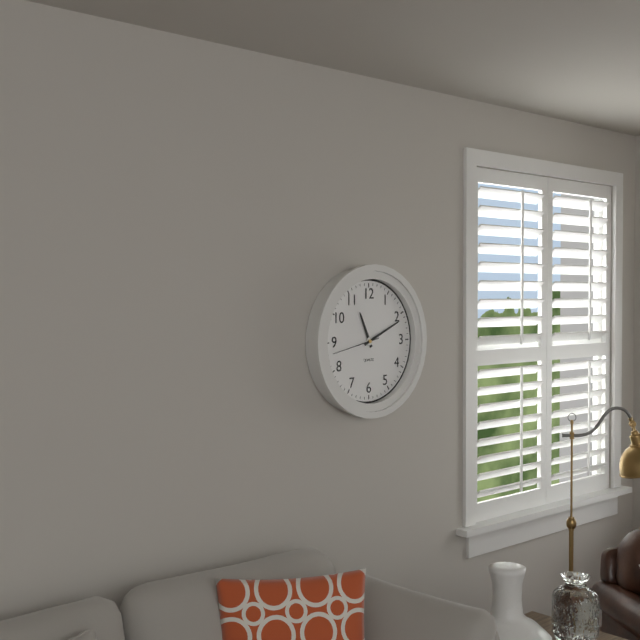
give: {"hour": 11, "minute": 11}
